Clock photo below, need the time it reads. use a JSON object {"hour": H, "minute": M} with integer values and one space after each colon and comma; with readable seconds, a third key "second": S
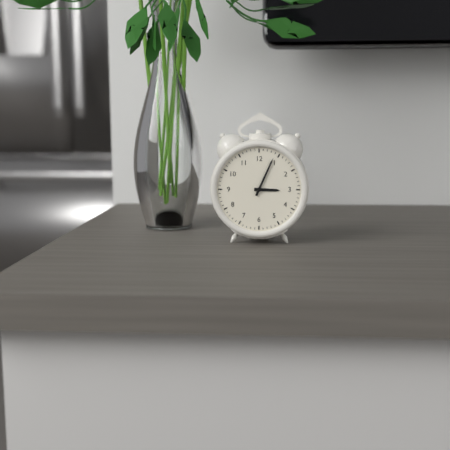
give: {"hour": 3, "minute": 4}
